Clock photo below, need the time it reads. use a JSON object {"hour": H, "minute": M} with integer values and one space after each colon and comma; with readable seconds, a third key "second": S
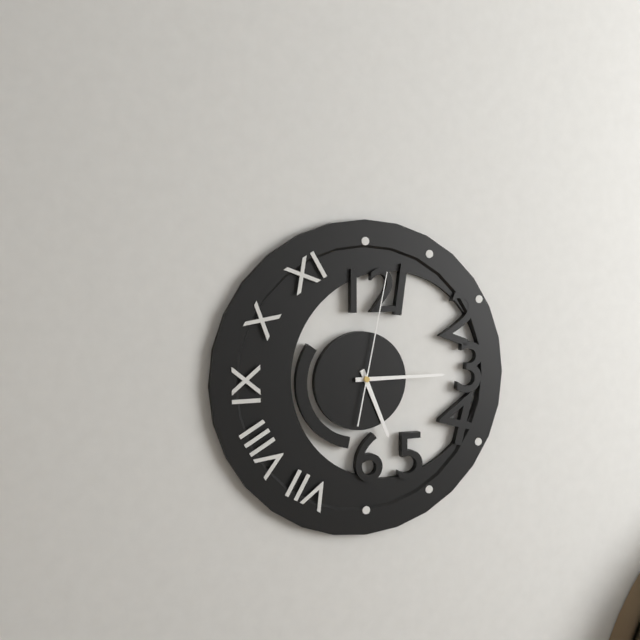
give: {"hour": 5, "minute": 15, "second": 2}
